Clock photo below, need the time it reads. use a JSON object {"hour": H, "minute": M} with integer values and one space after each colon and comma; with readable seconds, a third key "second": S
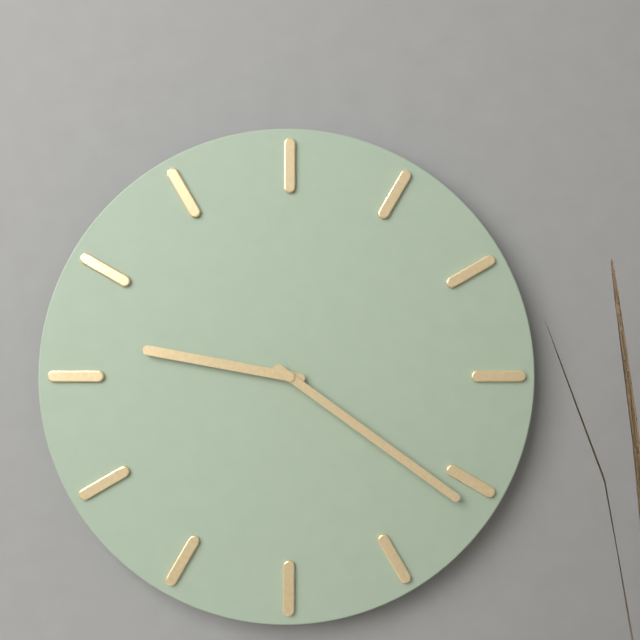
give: {"hour": 9, "minute": 21}
